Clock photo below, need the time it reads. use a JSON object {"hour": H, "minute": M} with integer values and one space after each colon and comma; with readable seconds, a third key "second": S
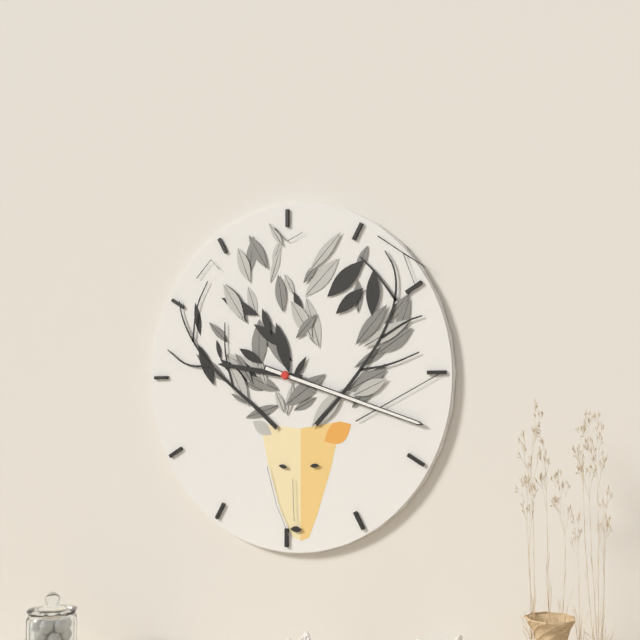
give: {"hour": 9, "minute": 18}
